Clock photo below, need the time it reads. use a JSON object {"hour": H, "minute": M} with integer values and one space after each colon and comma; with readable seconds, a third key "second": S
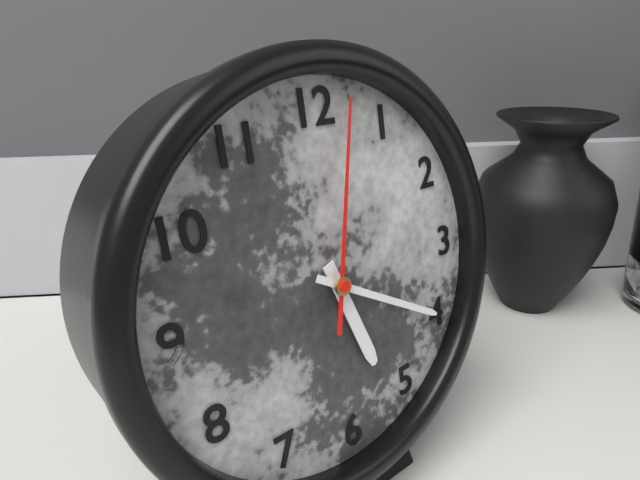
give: {"hour": 5, "minute": 20, "second": 2}
